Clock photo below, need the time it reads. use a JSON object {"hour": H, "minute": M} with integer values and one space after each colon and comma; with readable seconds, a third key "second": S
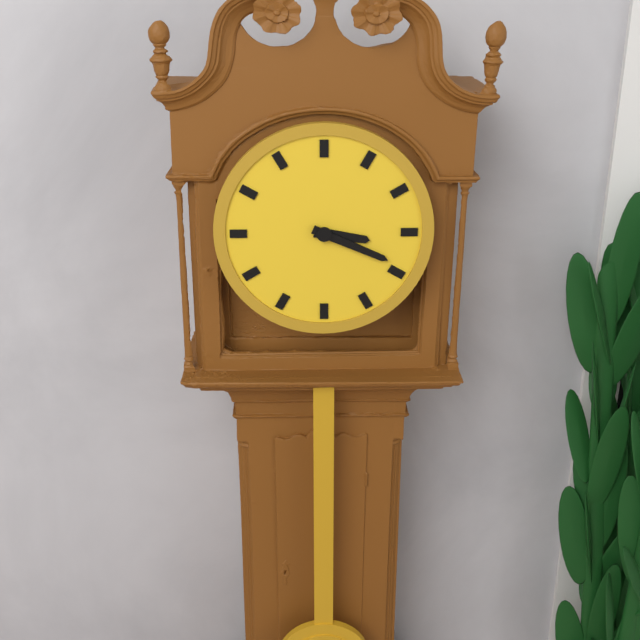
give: {"hour": 3, "minute": 19}
